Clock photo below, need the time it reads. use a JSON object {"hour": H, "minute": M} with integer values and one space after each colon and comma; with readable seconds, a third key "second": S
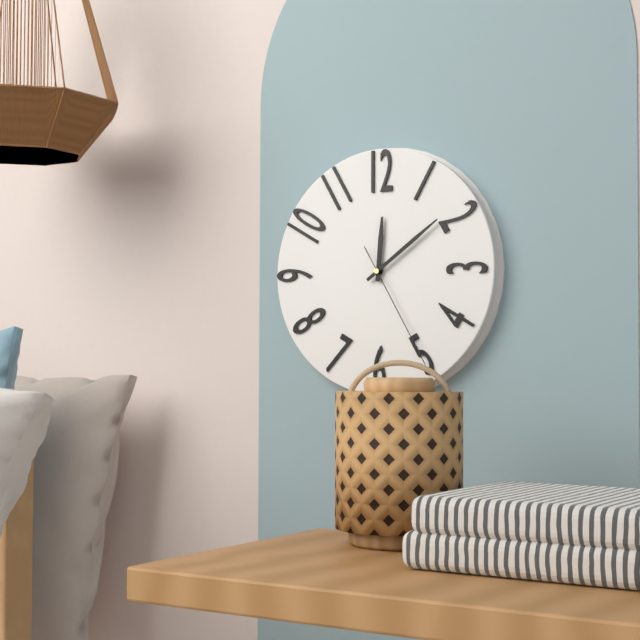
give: {"hour": 12, "minute": 9, "second": 25}
